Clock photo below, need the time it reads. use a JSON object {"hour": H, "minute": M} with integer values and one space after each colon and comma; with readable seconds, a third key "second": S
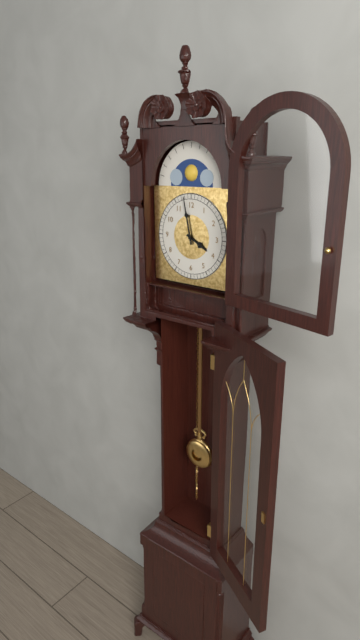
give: {"hour": 3, "minute": 58}
